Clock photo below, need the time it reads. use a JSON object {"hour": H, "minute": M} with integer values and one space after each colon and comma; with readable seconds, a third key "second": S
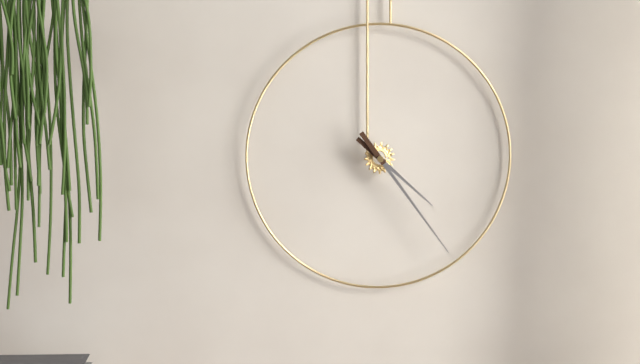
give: {"hour": 4, "minute": 24}
